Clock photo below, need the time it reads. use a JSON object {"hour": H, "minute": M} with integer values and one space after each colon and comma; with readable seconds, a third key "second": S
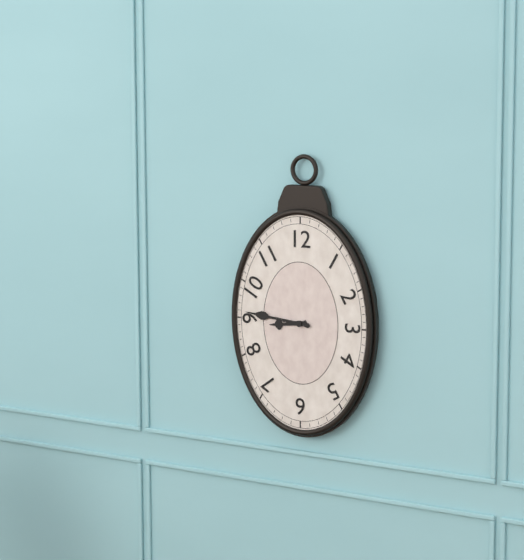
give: {"hour": 8, "minute": 46}
